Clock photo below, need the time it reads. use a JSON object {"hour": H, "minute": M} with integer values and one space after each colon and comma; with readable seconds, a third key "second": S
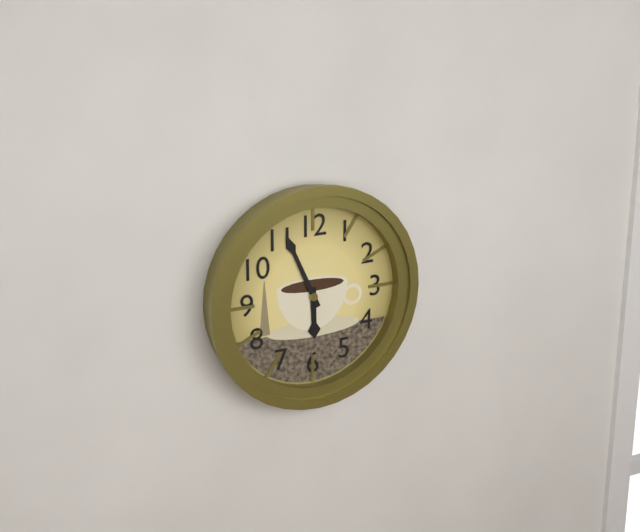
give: {"hour": 5, "minute": 56}
